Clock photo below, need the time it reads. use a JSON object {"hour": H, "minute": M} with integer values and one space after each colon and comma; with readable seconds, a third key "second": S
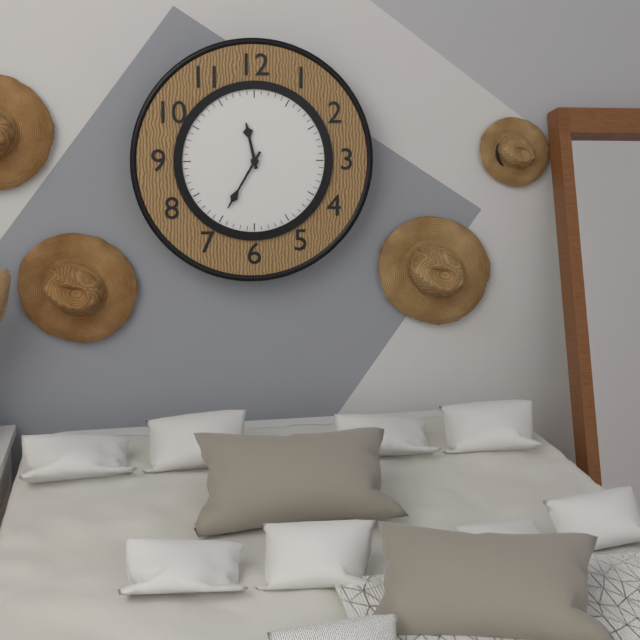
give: {"hour": 11, "minute": 35}
